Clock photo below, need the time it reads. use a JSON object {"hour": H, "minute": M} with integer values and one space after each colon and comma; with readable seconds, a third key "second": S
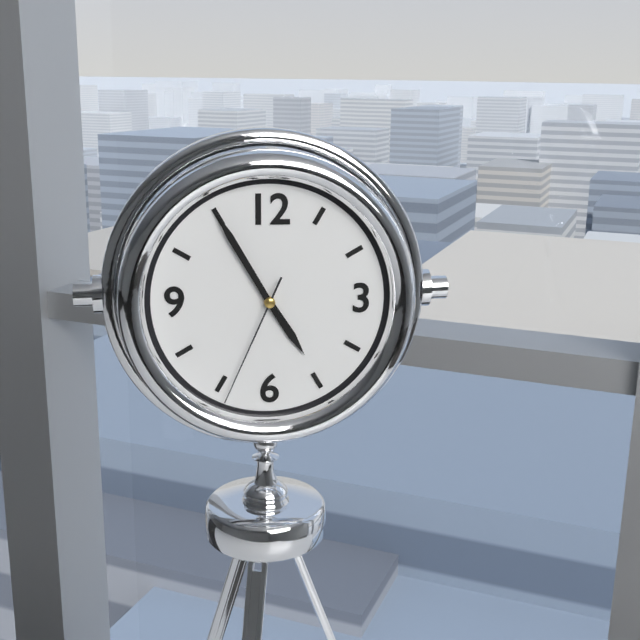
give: {"hour": 4, "minute": 55, "second": 34}
